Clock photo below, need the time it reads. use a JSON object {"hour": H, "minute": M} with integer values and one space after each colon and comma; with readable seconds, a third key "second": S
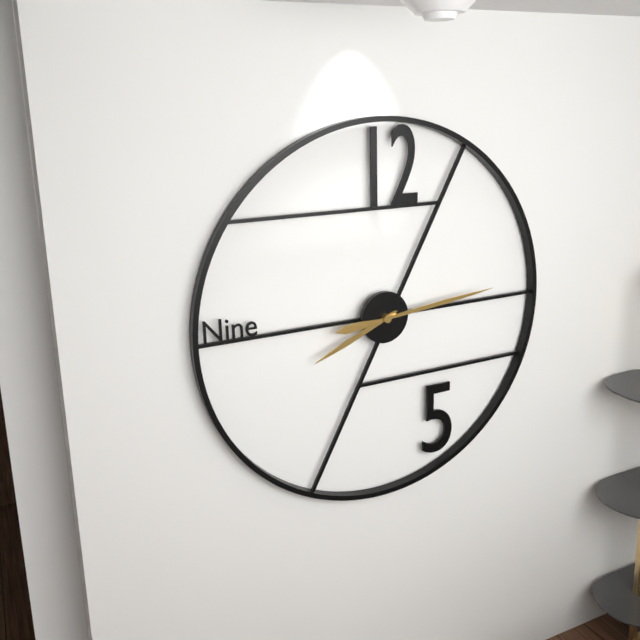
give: {"hour": 8, "minute": 14}
